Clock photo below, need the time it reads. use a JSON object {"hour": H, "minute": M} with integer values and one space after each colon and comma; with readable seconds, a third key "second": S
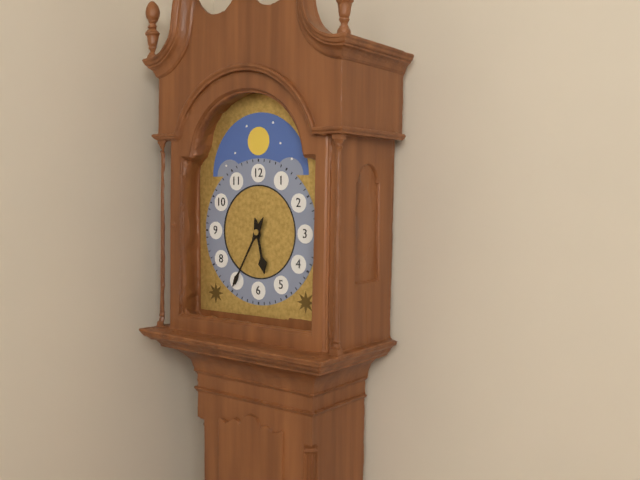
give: {"hour": 5, "minute": 35}
